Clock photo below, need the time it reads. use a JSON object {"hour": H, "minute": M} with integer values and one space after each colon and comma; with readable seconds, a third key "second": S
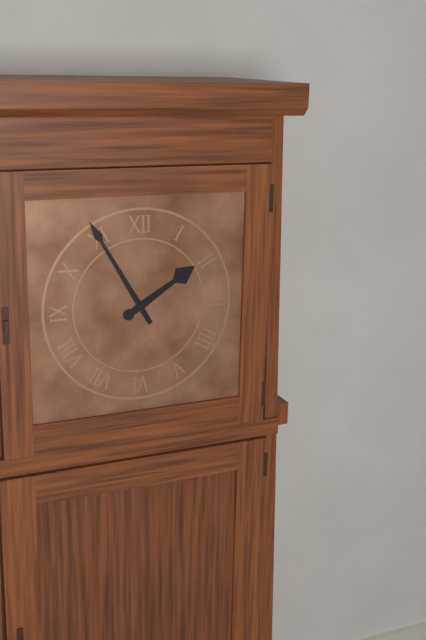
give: {"hour": 1, "minute": 55}
